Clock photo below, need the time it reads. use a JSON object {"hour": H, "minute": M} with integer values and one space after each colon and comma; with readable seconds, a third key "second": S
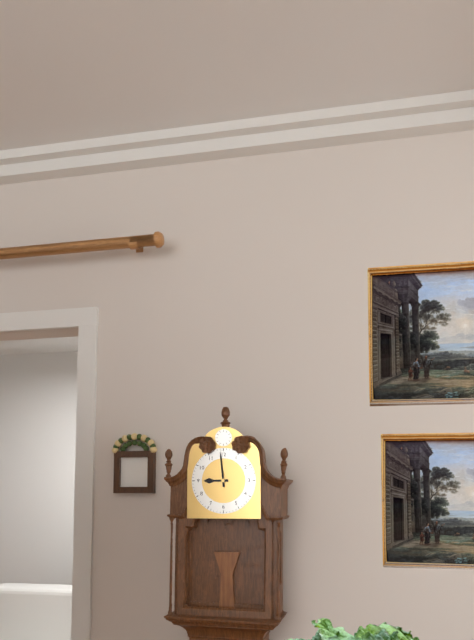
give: {"hour": 8, "minute": 59}
